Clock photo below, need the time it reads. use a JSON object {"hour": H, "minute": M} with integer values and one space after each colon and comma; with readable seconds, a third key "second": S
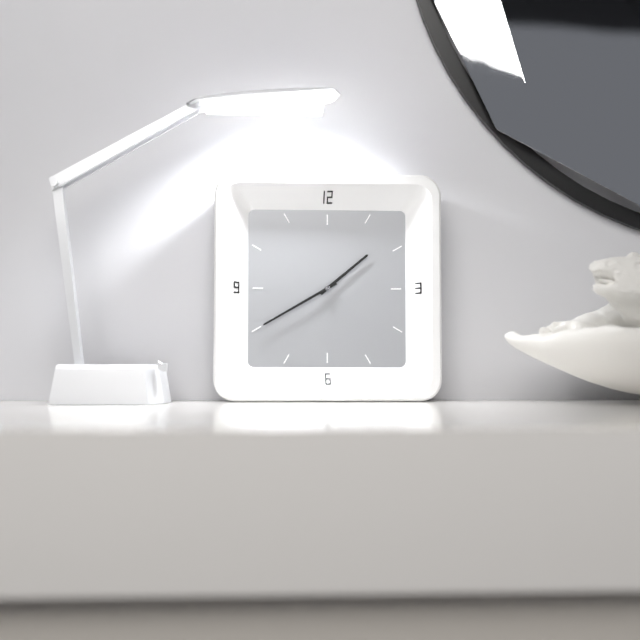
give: {"hour": 1, "minute": 40}
